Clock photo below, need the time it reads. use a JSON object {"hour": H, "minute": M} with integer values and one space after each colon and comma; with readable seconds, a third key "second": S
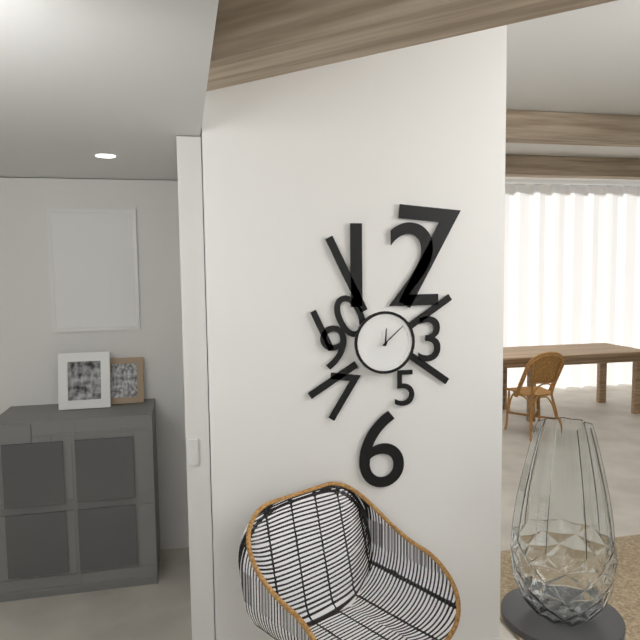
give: {"hour": 12, "minute": 8}
